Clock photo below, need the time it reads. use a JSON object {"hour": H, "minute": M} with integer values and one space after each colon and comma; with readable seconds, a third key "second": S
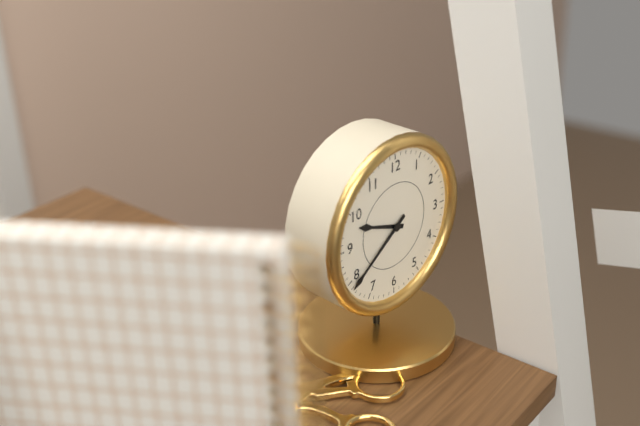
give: {"hour": 9, "minute": 39}
